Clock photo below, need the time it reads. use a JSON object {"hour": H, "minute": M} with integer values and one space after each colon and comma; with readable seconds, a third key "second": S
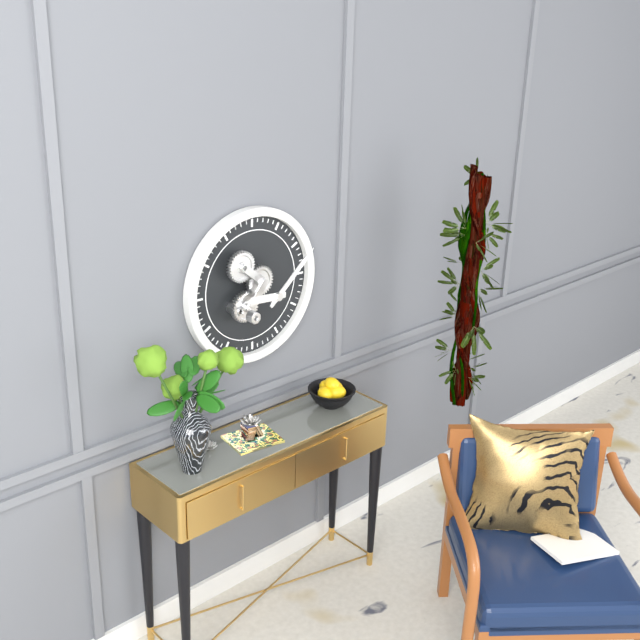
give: {"hour": 9, "minute": 8}
